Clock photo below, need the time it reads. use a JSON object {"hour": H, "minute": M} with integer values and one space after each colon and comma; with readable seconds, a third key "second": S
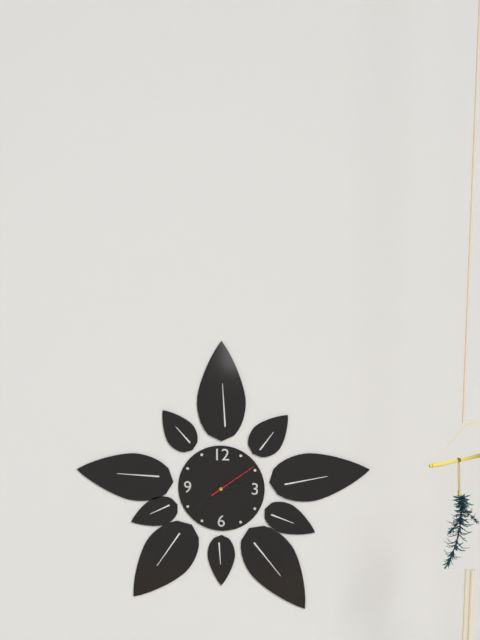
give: {"hour": 2, "minute": 37}
